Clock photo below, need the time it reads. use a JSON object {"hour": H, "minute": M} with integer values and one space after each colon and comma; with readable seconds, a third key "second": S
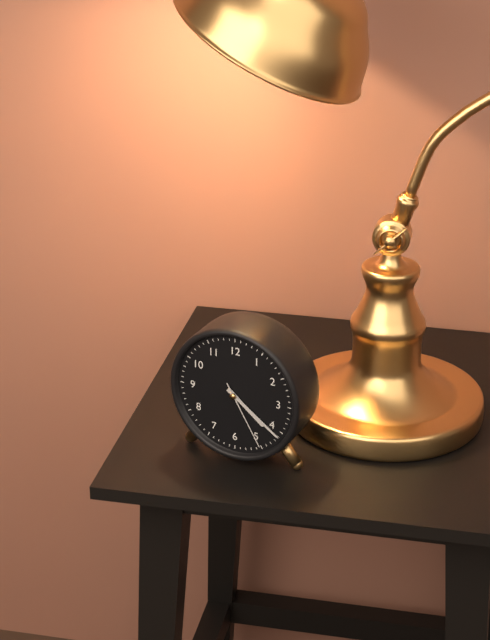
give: {"hour": 4, "minute": 21, "second": 25}
